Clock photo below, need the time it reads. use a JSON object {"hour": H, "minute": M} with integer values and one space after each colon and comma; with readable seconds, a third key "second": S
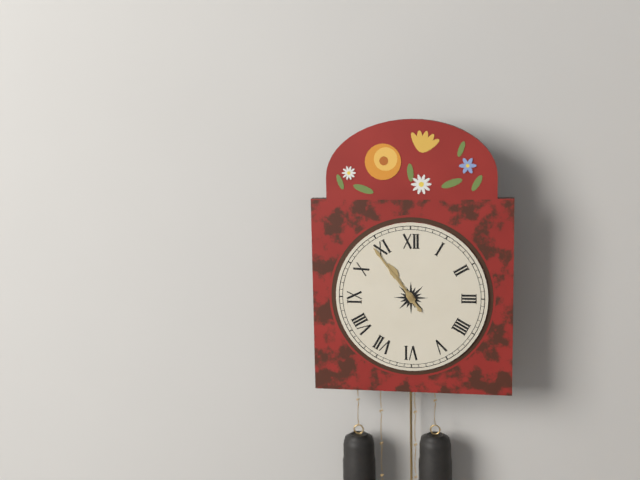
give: {"hour": 10, "minute": 54}
